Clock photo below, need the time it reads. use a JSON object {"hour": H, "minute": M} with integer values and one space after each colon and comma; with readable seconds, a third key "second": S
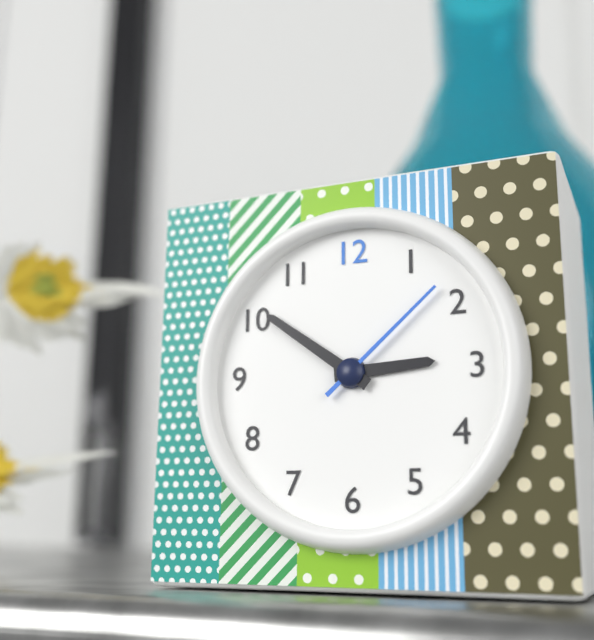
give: {"hour": 2, "minute": 51, "second": 8}
